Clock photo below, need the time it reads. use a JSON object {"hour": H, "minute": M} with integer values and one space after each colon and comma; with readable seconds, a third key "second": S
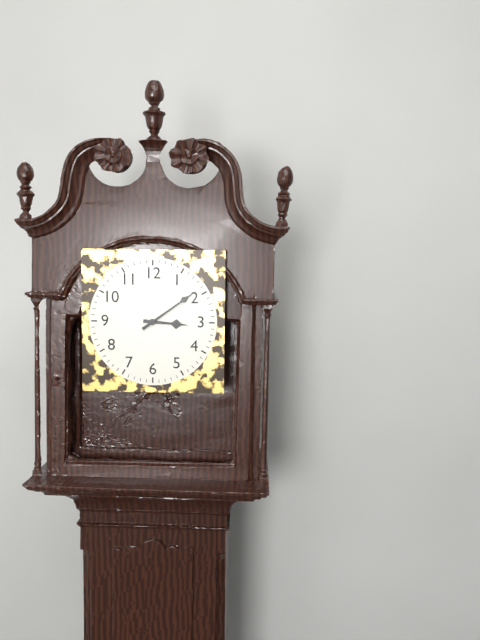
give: {"hour": 3, "minute": 9}
